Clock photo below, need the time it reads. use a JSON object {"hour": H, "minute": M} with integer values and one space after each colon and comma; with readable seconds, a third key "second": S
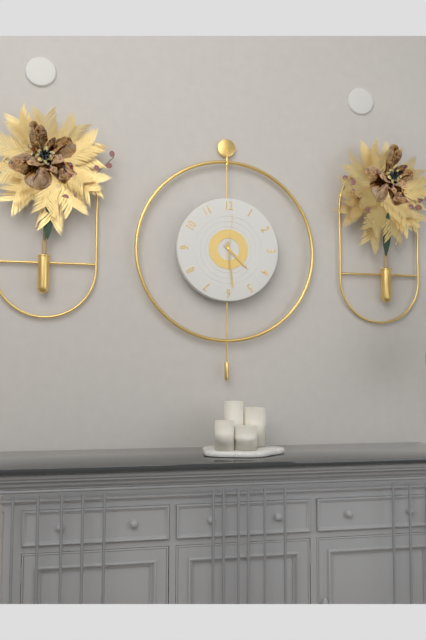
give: {"hour": 4, "minute": 29}
